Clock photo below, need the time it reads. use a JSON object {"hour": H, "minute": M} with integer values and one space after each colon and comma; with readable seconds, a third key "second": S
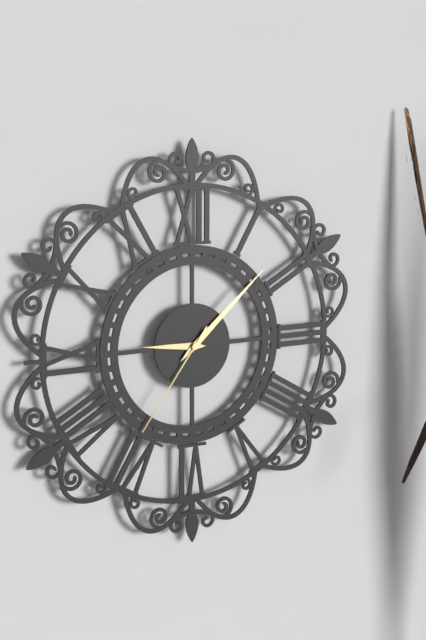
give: {"hour": 9, "minute": 8, "second": 36}
